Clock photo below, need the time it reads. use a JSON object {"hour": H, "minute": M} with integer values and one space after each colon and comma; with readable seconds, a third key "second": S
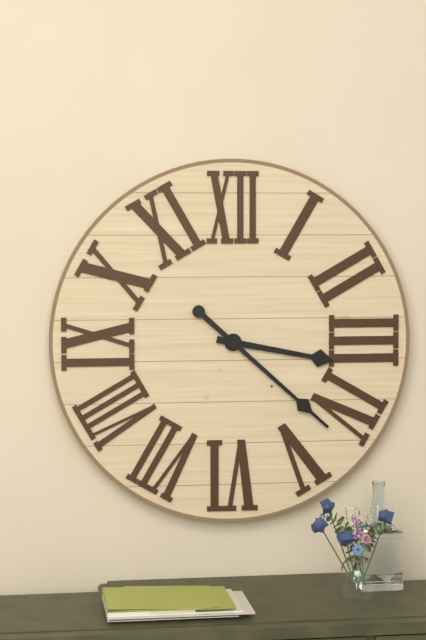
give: {"hour": 3, "minute": 22}
